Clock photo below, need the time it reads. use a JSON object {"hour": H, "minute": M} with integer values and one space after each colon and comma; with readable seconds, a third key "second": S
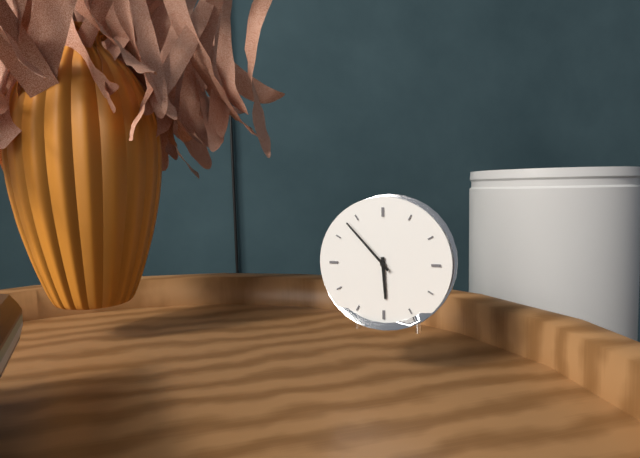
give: {"hour": 5, "minute": 53}
